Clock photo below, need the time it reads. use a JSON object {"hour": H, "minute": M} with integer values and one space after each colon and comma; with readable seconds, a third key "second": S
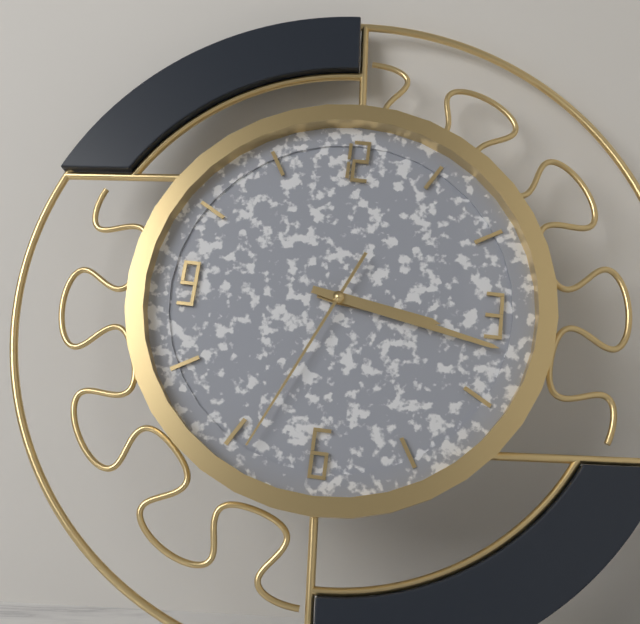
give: {"hour": 3, "minute": 17, "second": 34}
